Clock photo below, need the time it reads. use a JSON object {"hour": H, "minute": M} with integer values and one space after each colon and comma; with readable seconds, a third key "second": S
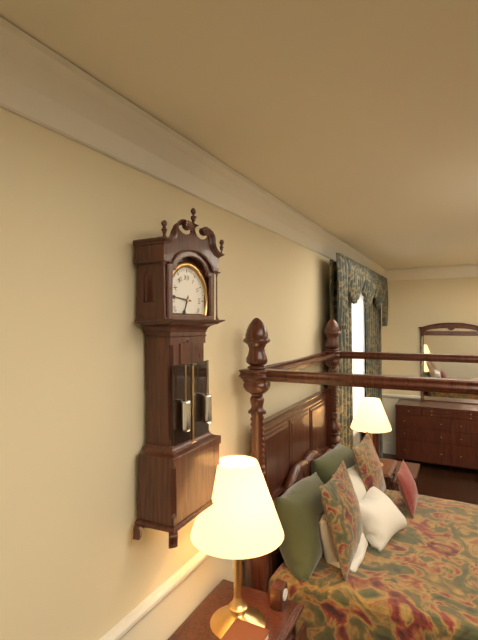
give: {"hour": 6, "minute": 46}
